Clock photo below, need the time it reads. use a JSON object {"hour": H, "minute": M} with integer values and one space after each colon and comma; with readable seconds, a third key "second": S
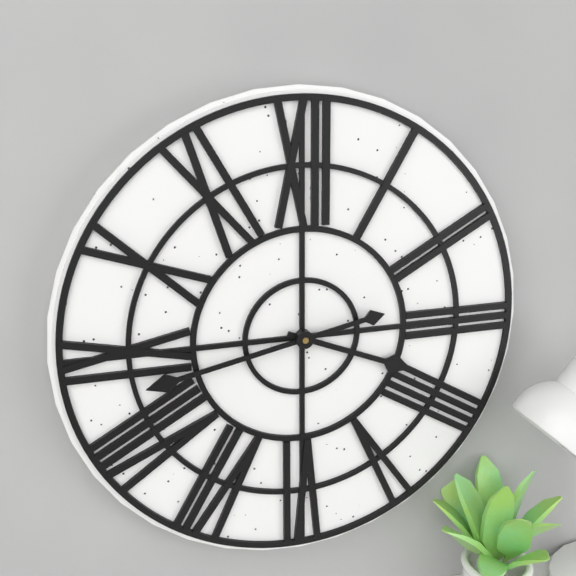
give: {"hour": 3, "minute": 43}
